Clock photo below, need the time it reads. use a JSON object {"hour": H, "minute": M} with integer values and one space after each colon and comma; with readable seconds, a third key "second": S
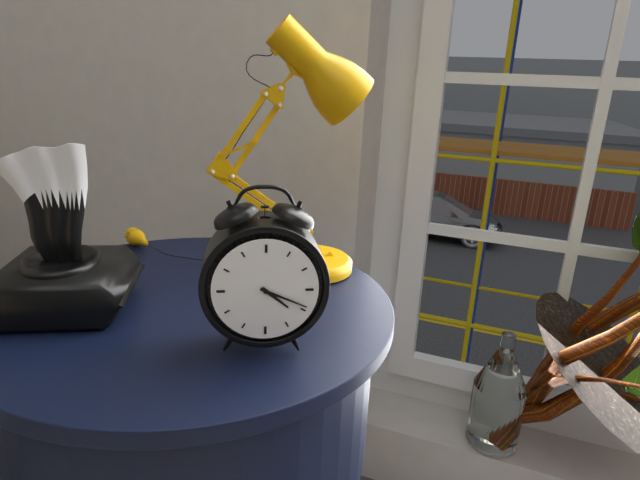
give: {"hour": 4, "minute": 19}
